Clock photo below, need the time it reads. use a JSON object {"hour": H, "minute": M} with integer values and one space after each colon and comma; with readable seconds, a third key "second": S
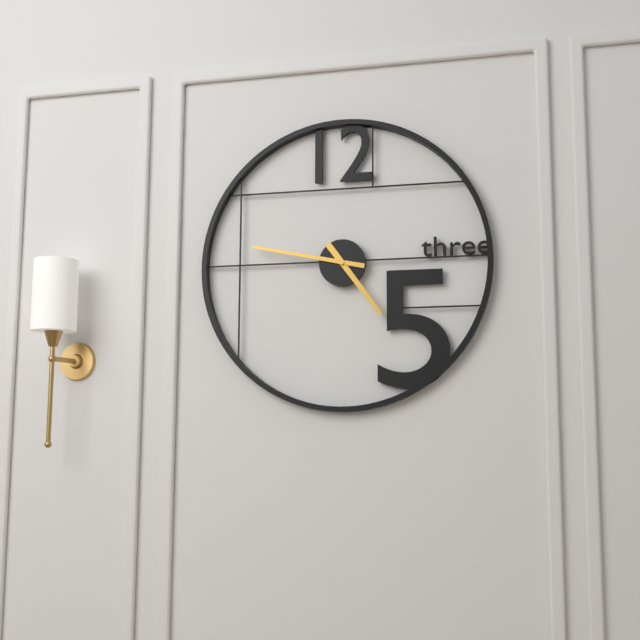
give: {"hour": 4, "minute": 47}
